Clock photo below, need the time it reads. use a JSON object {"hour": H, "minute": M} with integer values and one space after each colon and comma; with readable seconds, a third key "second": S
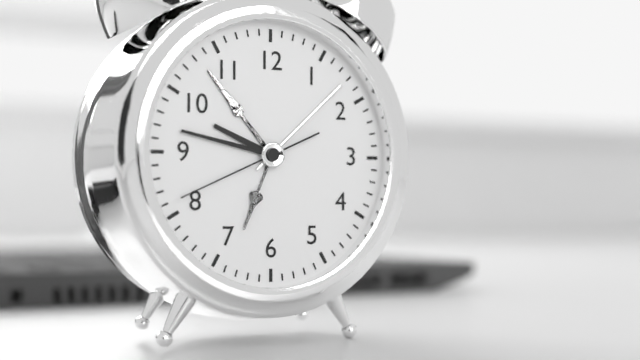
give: {"hour": 9, "minute": 47, "second": 41}
